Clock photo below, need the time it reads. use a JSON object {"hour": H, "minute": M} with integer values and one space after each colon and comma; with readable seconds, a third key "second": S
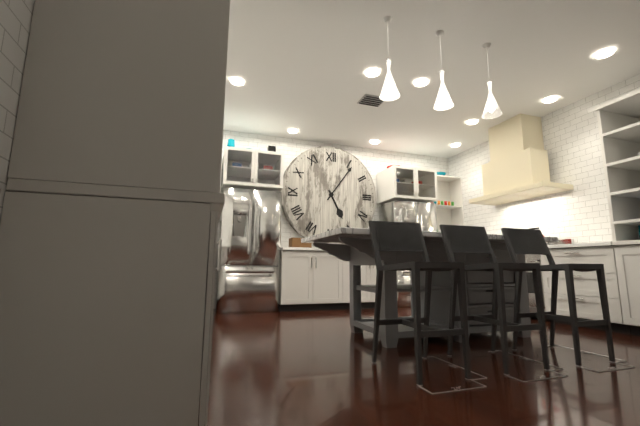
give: {"hour": 5, "minute": 6}
